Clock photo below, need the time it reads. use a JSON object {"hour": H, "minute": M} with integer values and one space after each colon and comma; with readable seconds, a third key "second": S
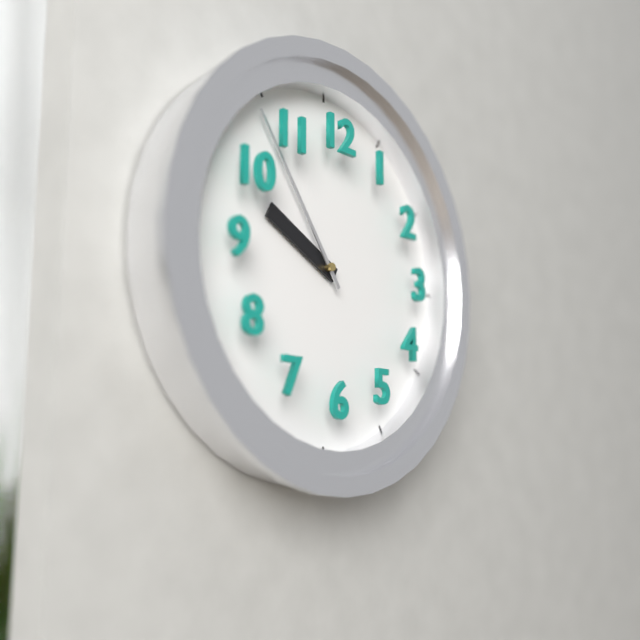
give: {"hour": 9, "minute": 54}
